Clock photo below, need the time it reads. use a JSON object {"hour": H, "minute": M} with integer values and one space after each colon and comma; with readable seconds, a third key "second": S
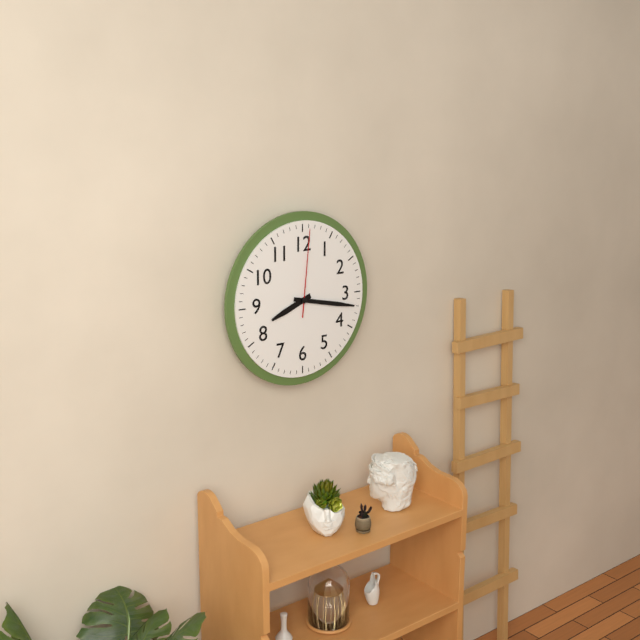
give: {"hour": 8, "minute": 17, "second": 1}
